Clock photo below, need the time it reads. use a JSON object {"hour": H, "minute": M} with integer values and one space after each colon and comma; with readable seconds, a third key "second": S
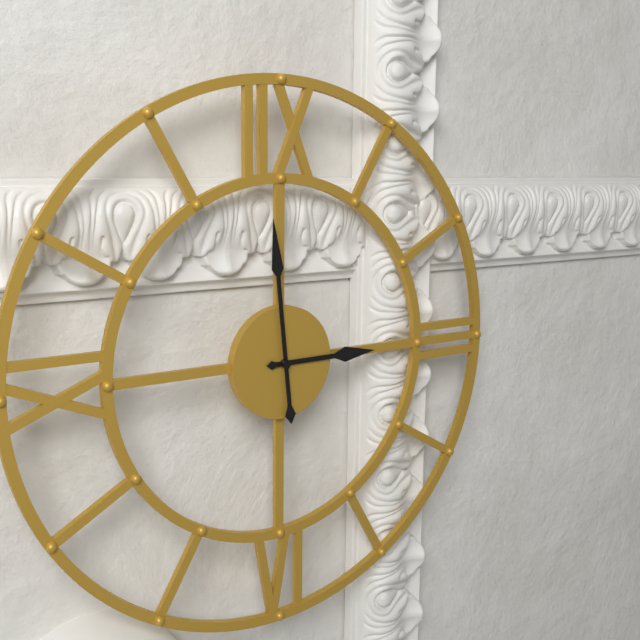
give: {"hour": 2, "minute": 59}
